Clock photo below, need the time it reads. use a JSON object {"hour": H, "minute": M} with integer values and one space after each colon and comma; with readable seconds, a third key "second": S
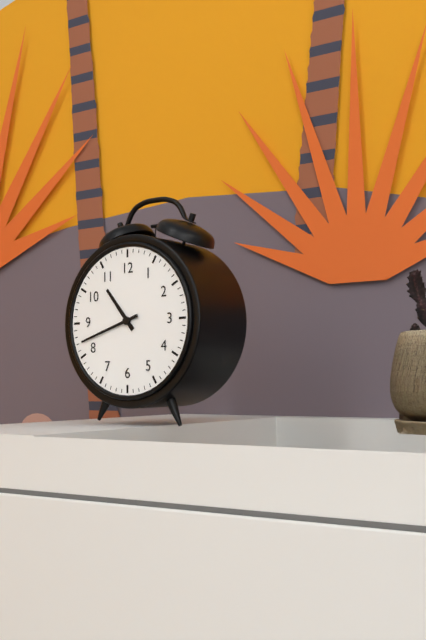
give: {"hour": 10, "minute": 42}
